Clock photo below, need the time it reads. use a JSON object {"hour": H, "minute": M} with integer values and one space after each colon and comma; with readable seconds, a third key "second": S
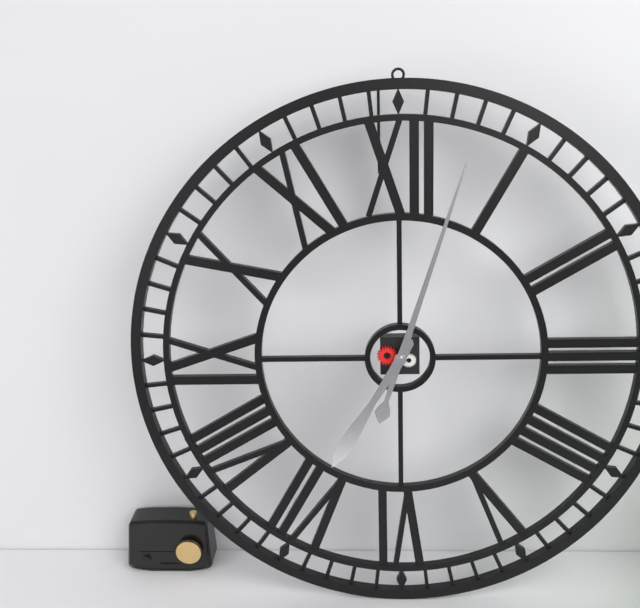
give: {"hour": 7, "minute": 3}
